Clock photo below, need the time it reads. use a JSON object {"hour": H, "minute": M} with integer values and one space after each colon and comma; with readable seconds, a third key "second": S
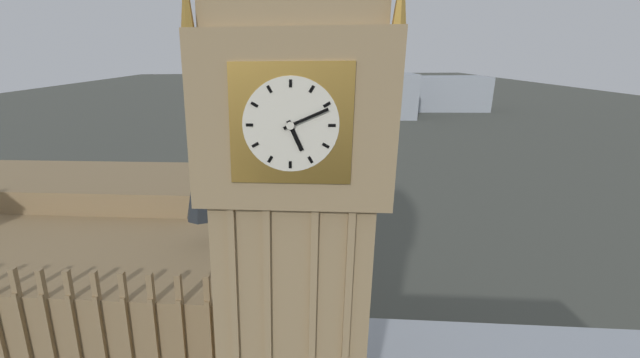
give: {"hour": 5, "minute": 11}
